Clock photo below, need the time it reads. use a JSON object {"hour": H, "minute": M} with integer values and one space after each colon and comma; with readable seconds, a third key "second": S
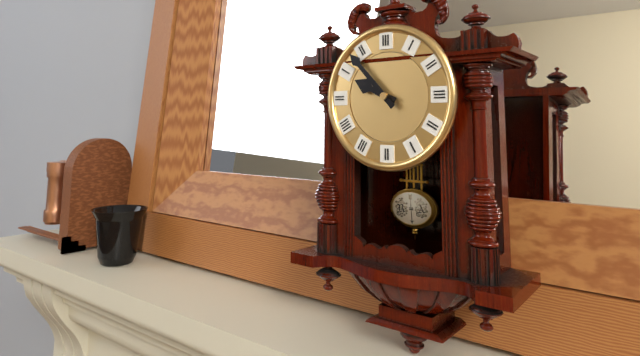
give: {"hour": 9, "minute": 53}
